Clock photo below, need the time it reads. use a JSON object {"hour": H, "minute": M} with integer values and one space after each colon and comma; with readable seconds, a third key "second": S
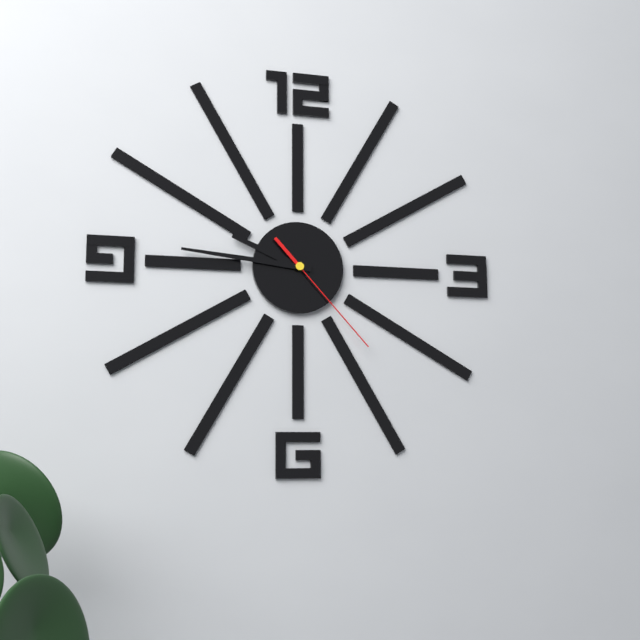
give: {"hour": 9, "minute": 46, "second": 23}
